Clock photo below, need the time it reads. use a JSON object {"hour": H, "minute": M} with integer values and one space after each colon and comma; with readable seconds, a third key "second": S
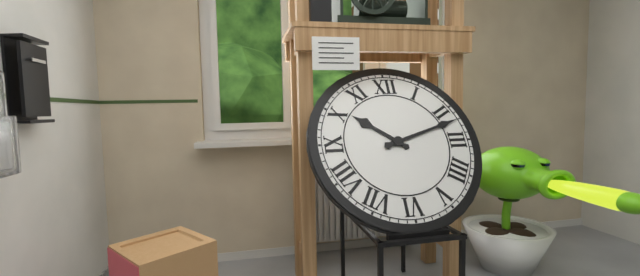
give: {"hour": 10, "minute": 12}
